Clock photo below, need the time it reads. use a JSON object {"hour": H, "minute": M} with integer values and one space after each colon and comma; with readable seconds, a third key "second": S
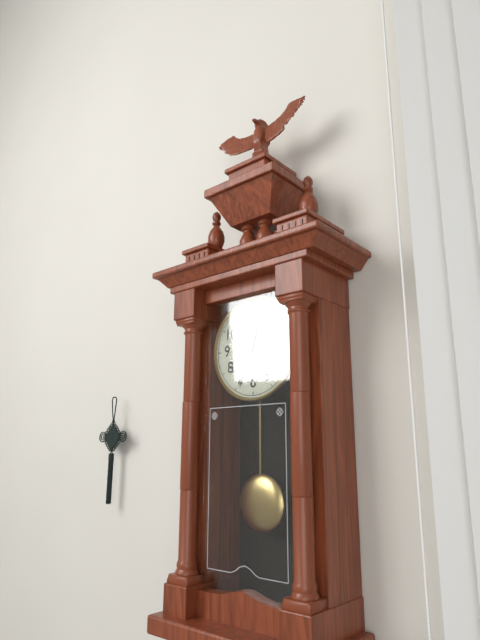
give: {"hour": 12, "minute": 34}
